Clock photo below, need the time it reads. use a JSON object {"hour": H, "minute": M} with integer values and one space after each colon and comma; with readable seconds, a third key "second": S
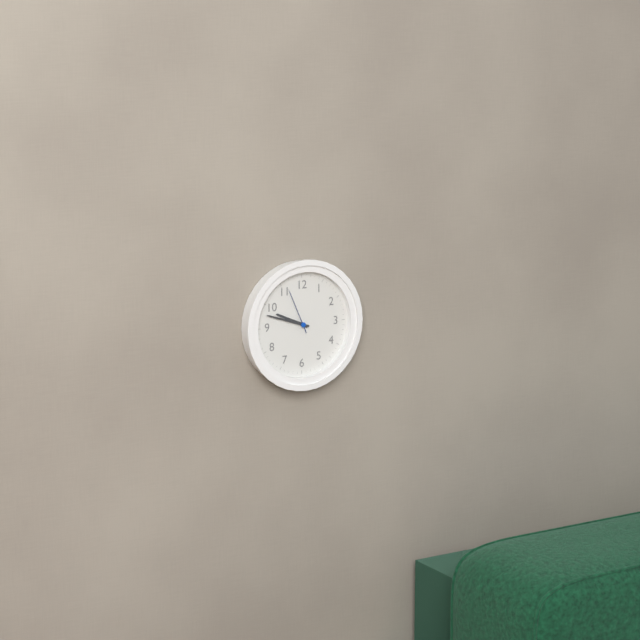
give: {"hour": 9, "minute": 48}
